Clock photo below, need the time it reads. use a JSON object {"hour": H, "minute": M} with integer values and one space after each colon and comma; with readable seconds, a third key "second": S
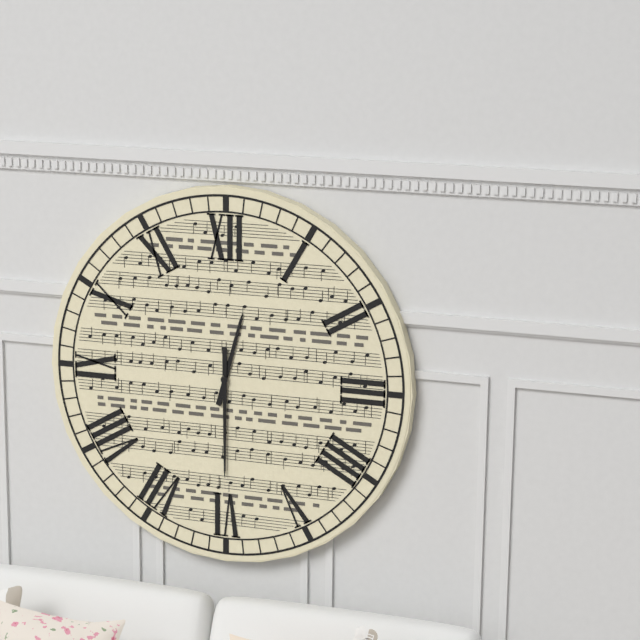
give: {"hour": 12, "minute": 30}
